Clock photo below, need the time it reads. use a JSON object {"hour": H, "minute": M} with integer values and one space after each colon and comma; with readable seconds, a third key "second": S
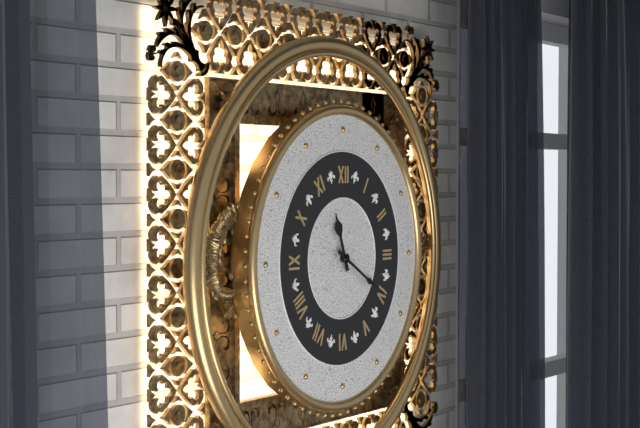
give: {"hour": 11, "minute": 20}
